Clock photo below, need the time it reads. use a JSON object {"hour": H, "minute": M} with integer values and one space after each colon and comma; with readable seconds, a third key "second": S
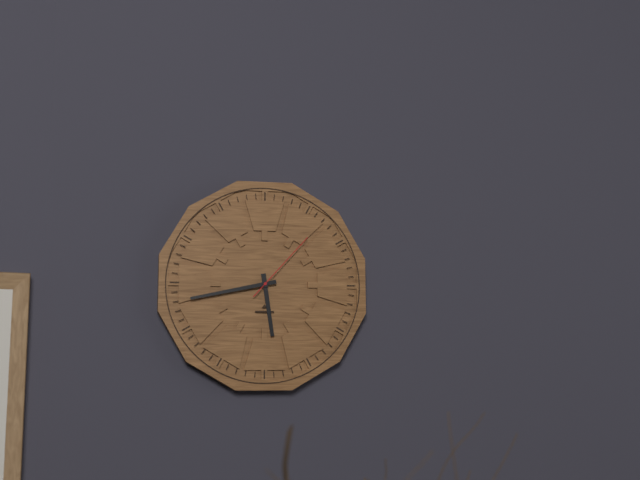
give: {"hour": 5, "minute": 43, "second": 7}
